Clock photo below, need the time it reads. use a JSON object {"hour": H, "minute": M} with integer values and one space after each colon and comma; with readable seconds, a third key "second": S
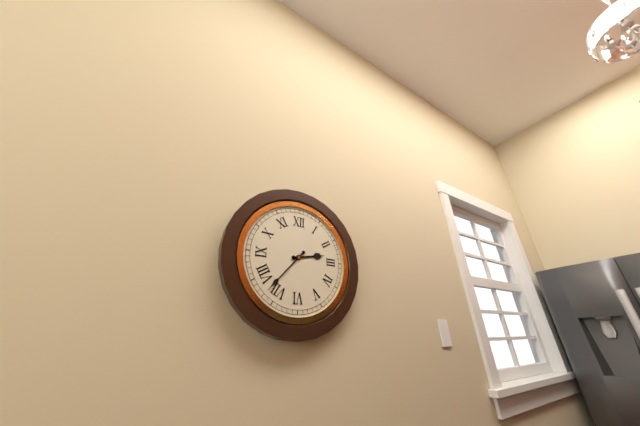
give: {"hour": 2, "minute": 37}
